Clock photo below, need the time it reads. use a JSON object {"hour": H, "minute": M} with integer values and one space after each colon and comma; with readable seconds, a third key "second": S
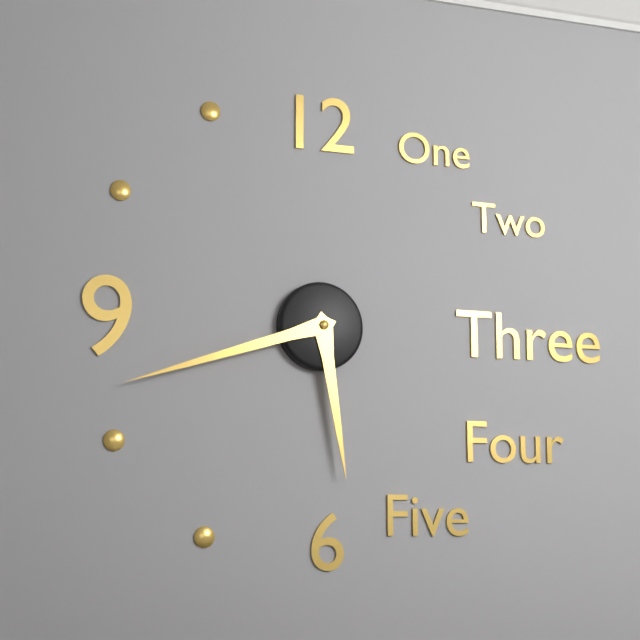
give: {"hour": 5, "minute": 42}
